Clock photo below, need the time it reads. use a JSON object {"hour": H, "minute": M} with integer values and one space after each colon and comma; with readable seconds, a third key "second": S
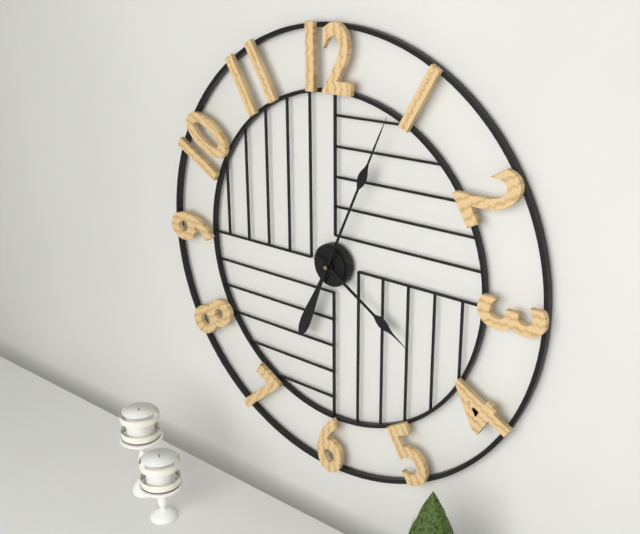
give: {"hour": 4, "minute": 4}
